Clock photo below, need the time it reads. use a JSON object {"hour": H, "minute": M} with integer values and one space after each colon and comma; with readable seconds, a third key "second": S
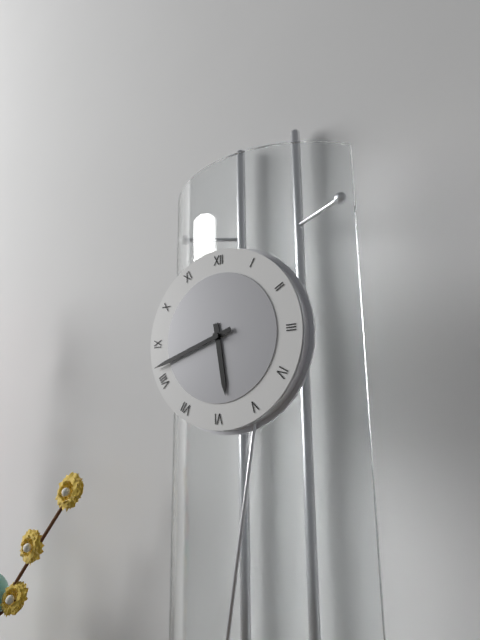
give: {"hour": 5, "minute": 42}
